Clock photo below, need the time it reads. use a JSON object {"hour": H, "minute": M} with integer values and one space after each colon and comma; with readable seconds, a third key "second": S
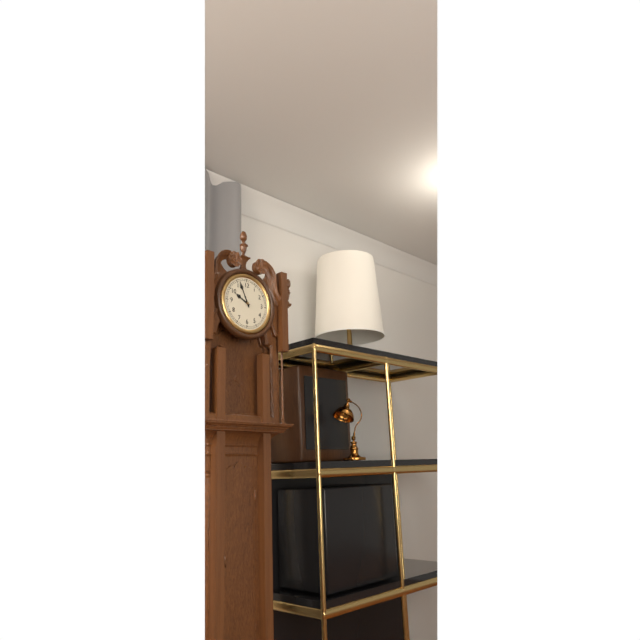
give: {"hour": 9, "minute": 56}
